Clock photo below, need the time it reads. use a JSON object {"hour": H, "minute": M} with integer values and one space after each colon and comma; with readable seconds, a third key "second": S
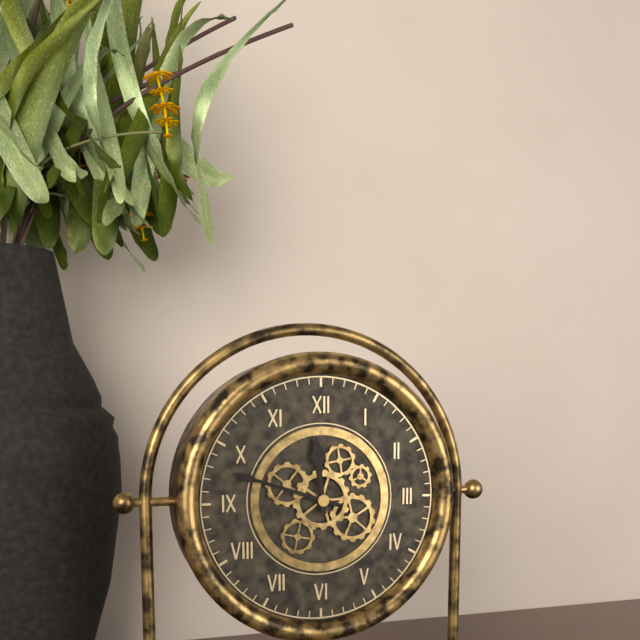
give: {"hour": 11, "minute": 48}
